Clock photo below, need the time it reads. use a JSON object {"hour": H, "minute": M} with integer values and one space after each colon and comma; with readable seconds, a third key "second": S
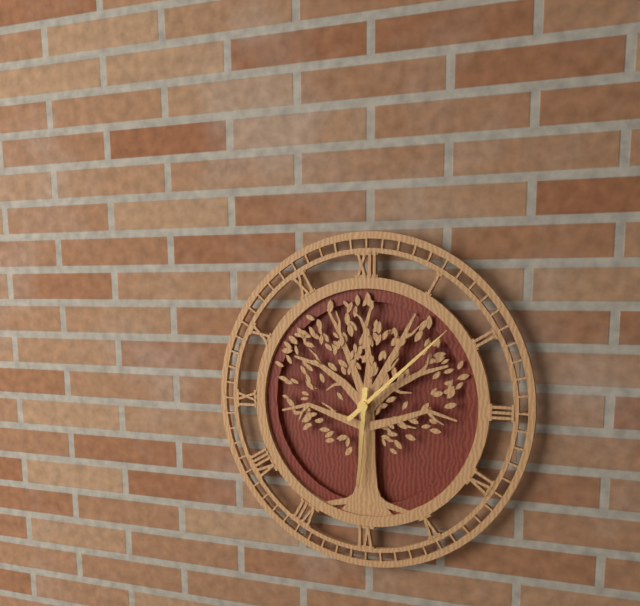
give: {"hour": 6, "minute": 8}
